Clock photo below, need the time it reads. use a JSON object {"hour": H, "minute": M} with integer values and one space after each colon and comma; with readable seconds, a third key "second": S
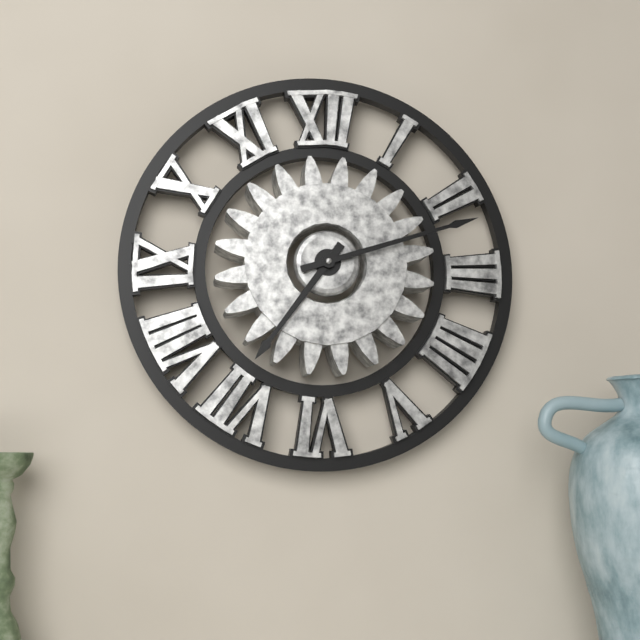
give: {"hour": 7, "minute": 12}
